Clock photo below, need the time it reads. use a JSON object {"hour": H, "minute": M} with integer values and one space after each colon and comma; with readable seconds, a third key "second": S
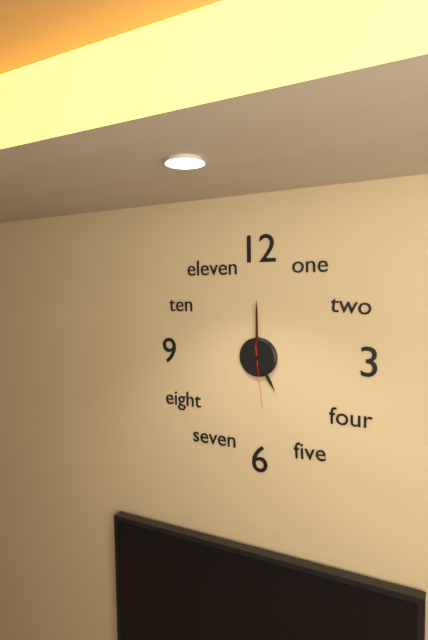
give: {"hour": 5, "minute": 0, "second": 29}
